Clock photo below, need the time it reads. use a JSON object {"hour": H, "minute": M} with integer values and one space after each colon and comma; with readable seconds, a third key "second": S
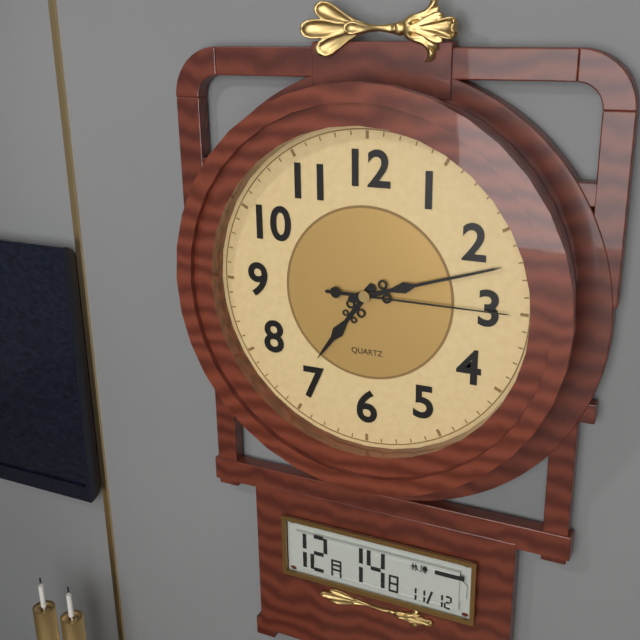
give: {"hour": 7, "minute": 12, "second": 15}
